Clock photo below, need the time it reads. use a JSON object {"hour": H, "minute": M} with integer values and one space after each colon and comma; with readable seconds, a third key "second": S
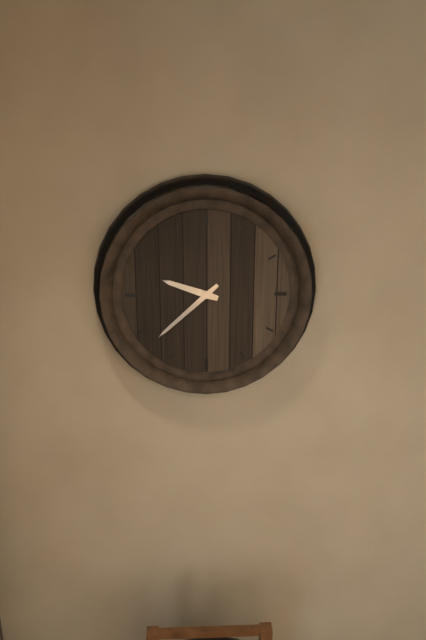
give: {"hour": 9, "minute": 38}
